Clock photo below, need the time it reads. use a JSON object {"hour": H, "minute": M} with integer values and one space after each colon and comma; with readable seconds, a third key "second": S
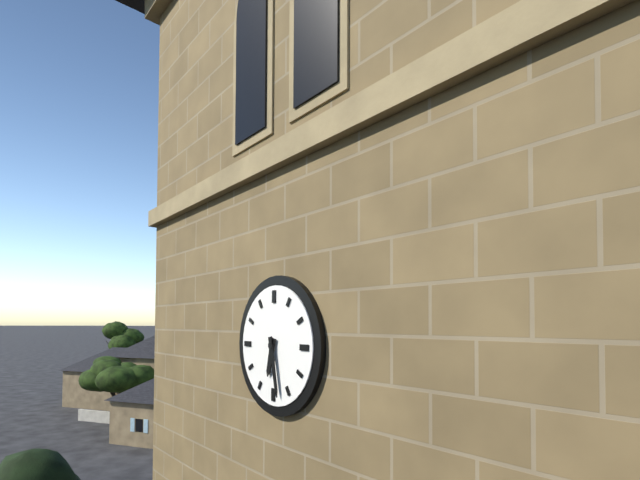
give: {"hour": 6, "minute": 28}
